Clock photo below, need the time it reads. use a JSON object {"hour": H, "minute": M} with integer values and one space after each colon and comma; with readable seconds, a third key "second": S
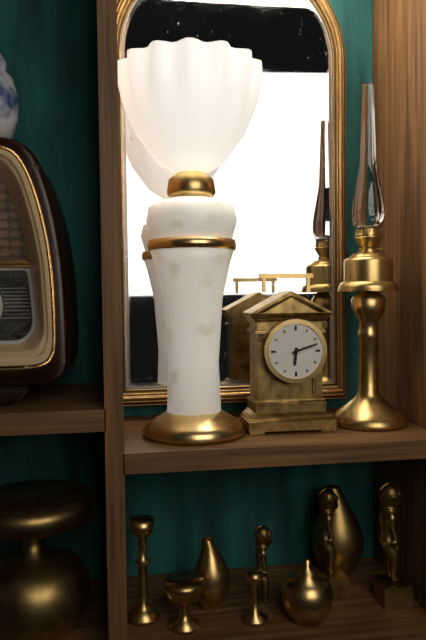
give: {"hour": 6, "minute": 12}
